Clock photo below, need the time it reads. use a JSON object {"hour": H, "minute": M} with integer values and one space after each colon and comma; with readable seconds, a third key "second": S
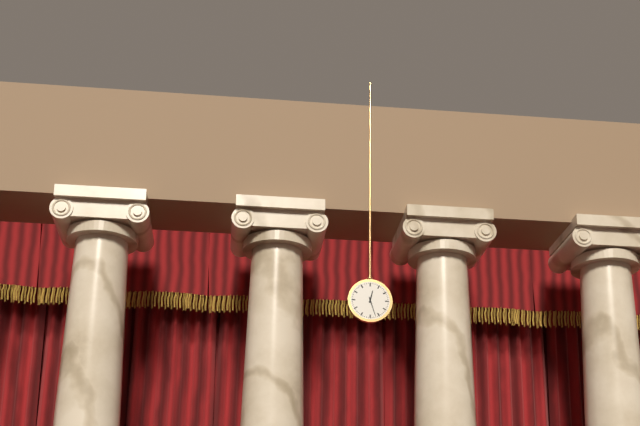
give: {"hour": 12, "minute": 27}
